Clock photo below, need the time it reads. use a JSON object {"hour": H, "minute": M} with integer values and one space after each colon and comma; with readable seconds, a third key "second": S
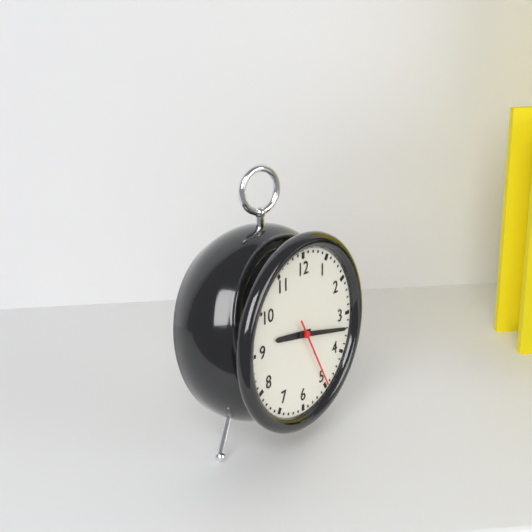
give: {"hour": 9, "minute": 17, "second": 25}
